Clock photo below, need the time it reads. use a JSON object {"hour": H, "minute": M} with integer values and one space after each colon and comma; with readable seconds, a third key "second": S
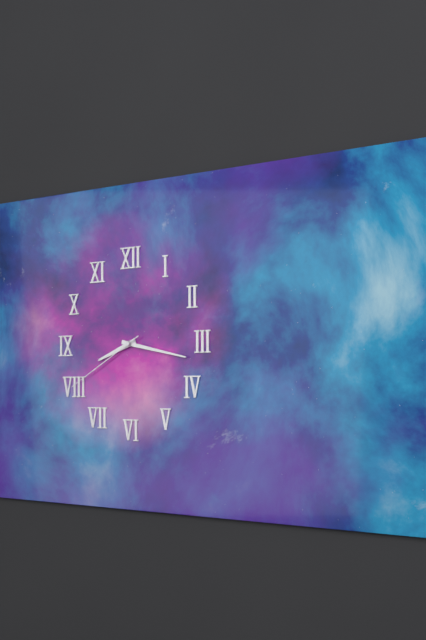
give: {"hour": 8, "minute": 17, "second": 40}
